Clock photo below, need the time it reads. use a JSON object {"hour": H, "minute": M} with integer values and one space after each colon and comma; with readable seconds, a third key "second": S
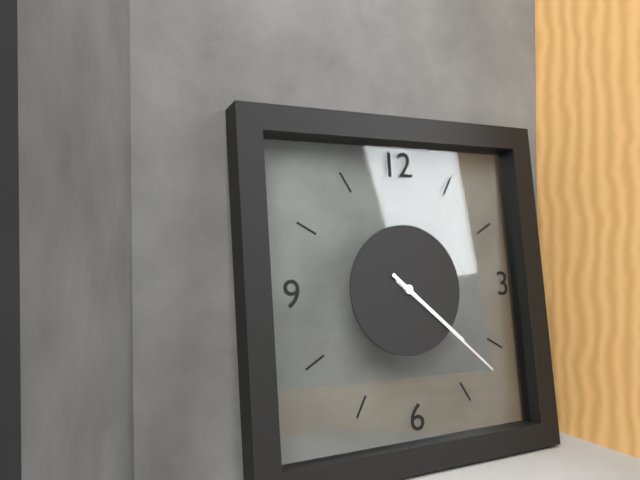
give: {"hour": 4, "minute": 22}
